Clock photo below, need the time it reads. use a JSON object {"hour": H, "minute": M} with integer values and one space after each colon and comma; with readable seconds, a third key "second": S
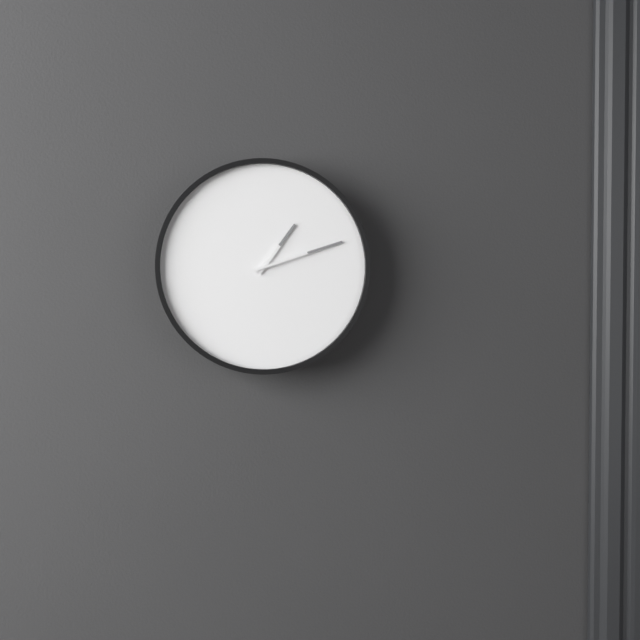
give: {"hour": 1, "minute": 12}
